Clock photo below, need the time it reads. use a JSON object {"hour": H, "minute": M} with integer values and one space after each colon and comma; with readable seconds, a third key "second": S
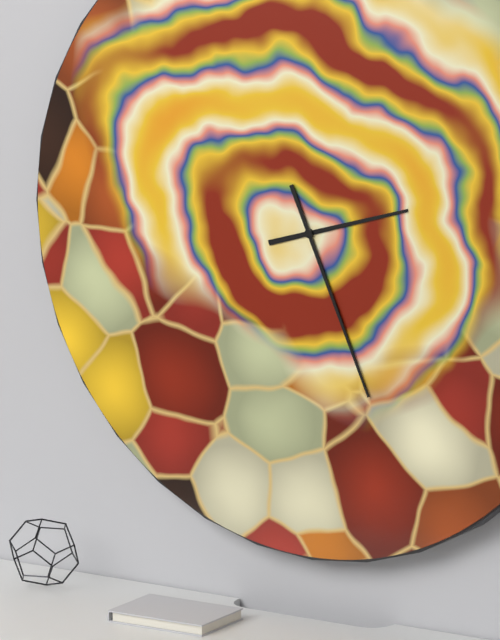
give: {"hour": 2, "minute": 26}
